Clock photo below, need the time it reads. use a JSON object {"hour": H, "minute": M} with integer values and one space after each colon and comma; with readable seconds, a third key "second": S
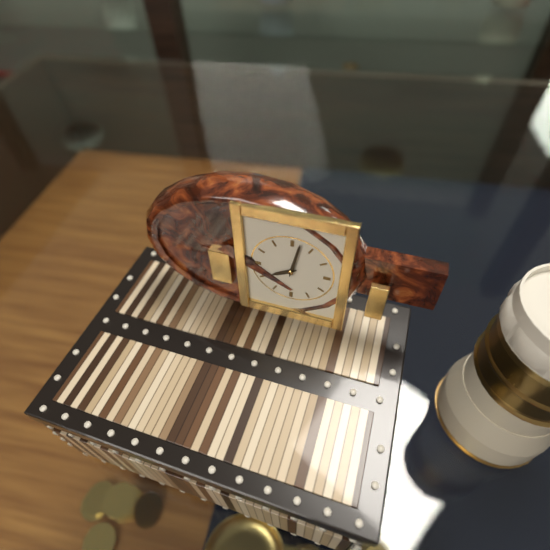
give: {"hour": 8, "minute": 2}
